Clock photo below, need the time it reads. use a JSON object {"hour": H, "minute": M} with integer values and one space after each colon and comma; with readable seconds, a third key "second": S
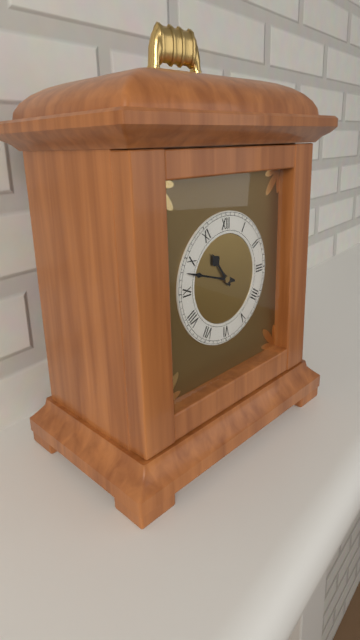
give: {"hour": 10, "minute": 48}
